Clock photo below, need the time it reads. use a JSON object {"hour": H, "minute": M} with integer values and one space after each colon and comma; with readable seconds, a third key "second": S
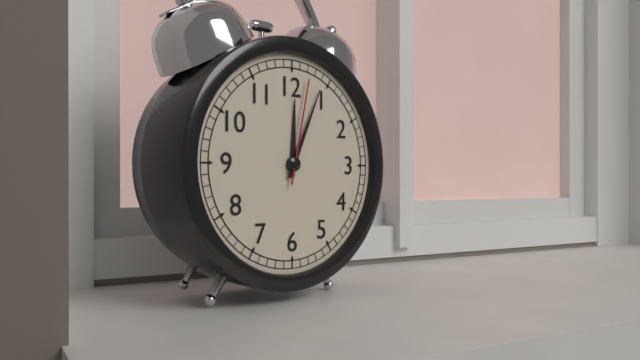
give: {"hour": 12, "minute": 4, "second": 2}
